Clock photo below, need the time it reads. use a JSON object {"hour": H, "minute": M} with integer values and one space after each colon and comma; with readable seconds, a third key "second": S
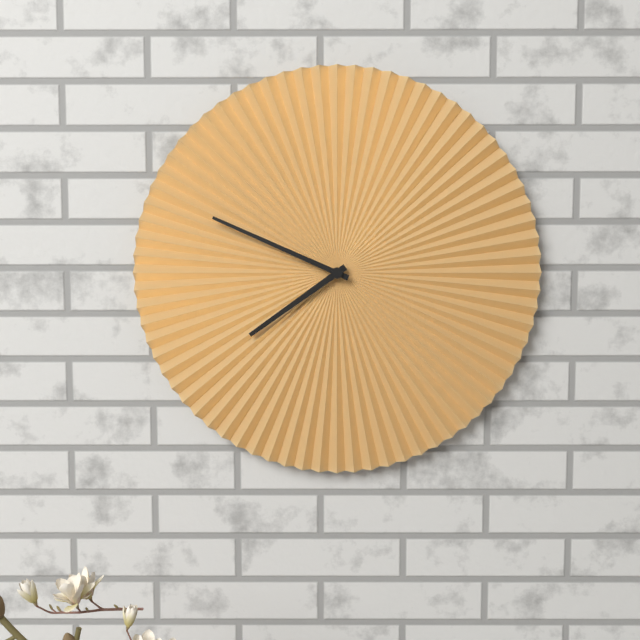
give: {"hour": 7, "minute": 49}
